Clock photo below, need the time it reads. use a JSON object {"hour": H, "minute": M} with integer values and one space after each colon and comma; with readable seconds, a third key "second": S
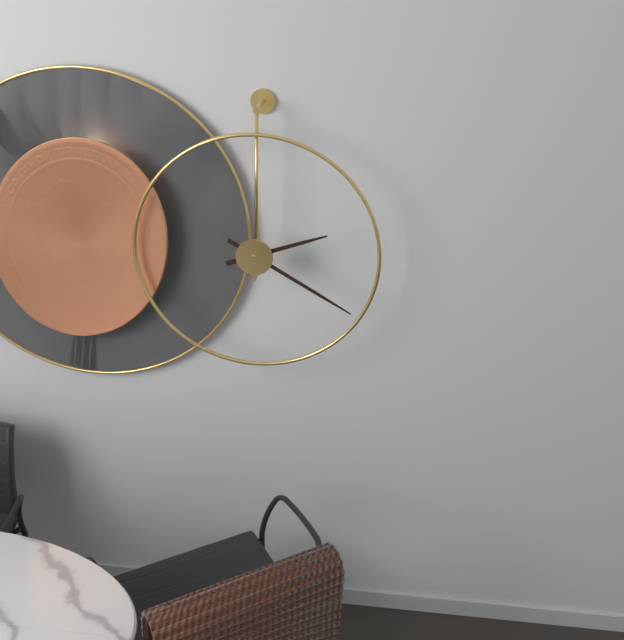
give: {"hour": 2, "minute": 20}
